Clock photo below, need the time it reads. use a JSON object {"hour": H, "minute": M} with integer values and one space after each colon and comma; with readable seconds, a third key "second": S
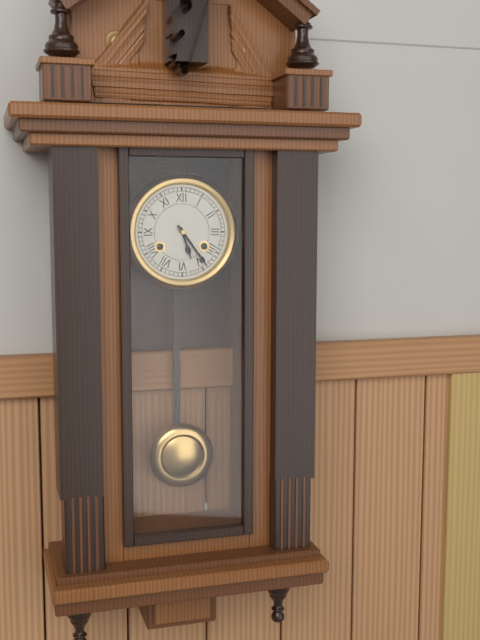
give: {"hour": 5, "minute": 24}
